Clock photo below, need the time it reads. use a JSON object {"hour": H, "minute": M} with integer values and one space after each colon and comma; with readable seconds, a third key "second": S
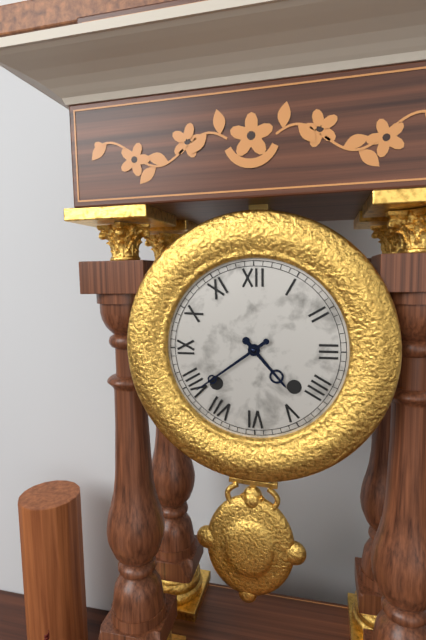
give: {"hour": 4, "minute": 39}
